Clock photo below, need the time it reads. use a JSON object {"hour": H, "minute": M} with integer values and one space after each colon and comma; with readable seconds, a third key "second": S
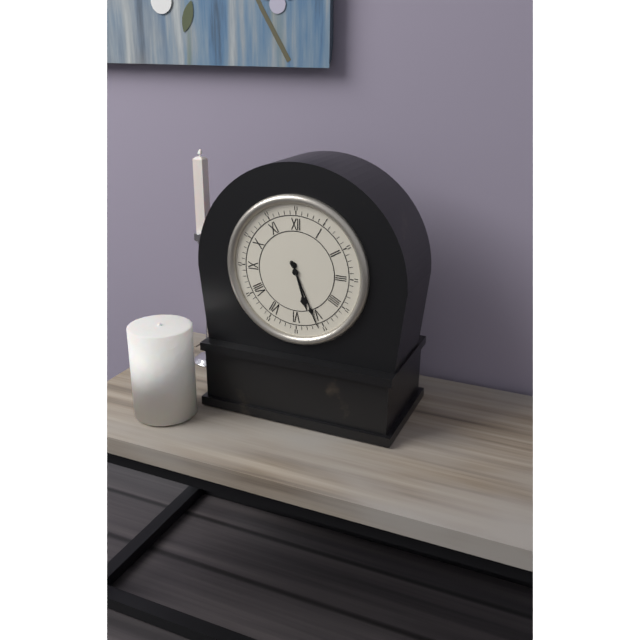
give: {"hour": 5, "minute": 26}
